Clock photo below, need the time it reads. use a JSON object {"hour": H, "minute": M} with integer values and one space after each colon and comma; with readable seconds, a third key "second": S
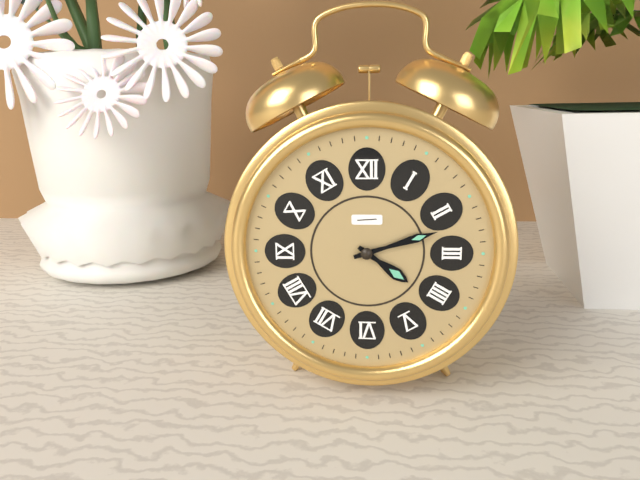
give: {"hour": 4, "minute": 12}
